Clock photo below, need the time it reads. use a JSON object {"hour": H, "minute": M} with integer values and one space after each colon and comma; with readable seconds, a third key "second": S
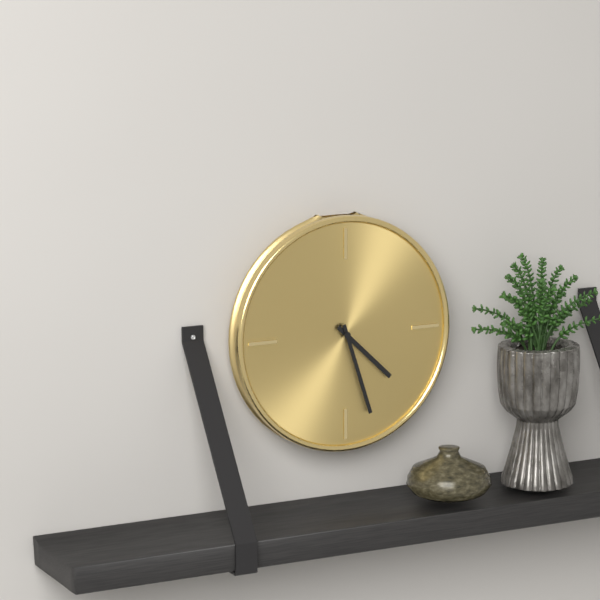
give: {"hour": 4, "minute": 27}
